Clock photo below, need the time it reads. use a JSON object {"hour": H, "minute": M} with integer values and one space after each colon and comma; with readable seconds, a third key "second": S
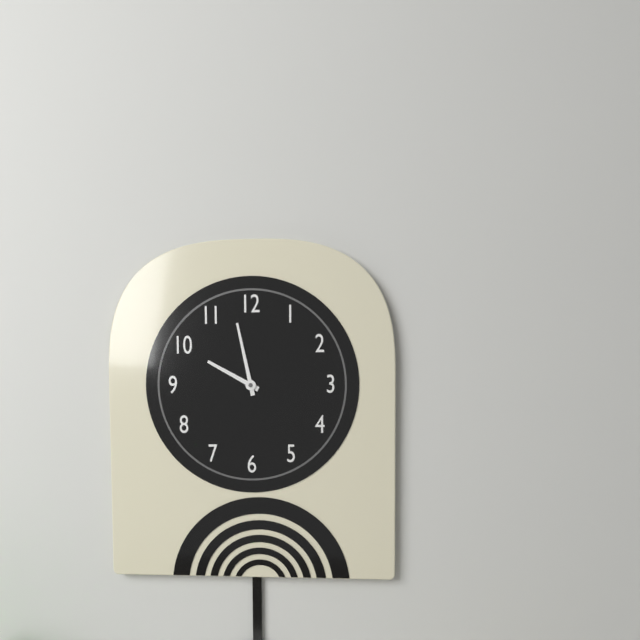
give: {"hour": 9, "minute": 58}
